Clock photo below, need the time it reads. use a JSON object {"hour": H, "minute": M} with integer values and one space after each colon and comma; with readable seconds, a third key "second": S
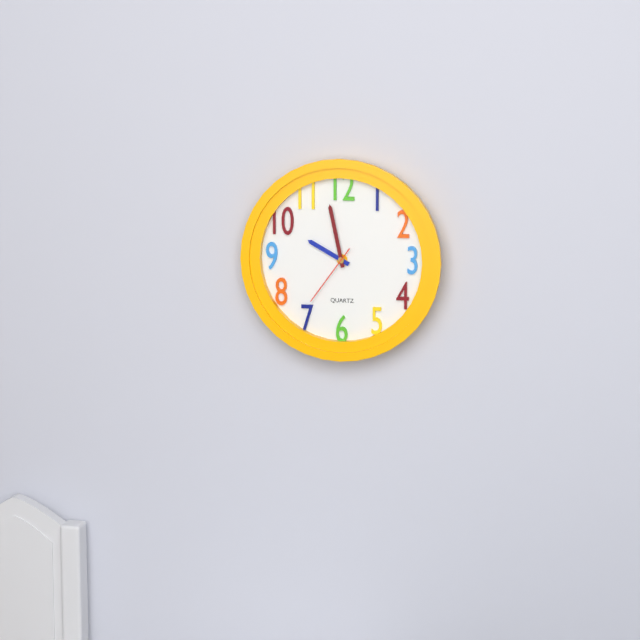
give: {"hour": 9, "minute": 58, "second": 36}
